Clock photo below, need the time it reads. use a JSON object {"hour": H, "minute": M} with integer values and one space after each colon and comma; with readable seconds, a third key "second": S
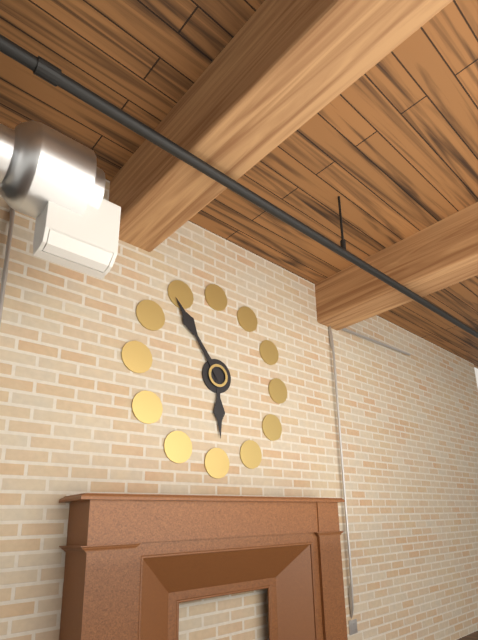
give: {"hour": 5, "minute": 54}
